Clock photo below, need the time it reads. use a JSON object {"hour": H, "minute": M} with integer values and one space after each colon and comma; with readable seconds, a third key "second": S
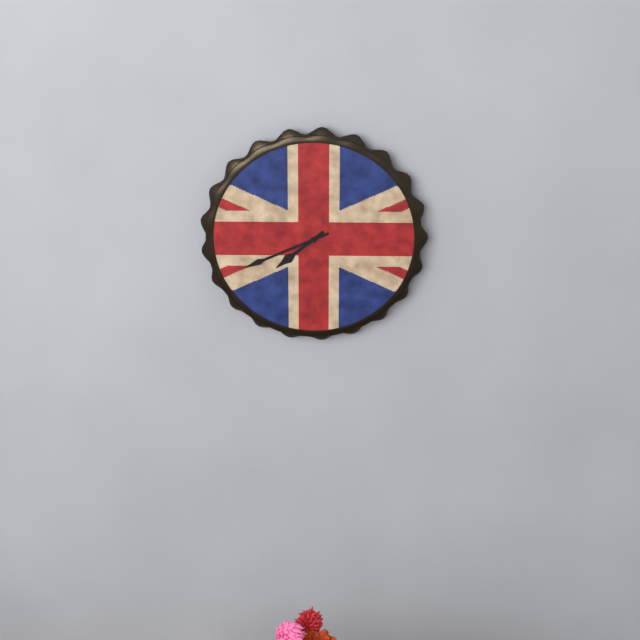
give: {"hour": 7, "minute": 41}
